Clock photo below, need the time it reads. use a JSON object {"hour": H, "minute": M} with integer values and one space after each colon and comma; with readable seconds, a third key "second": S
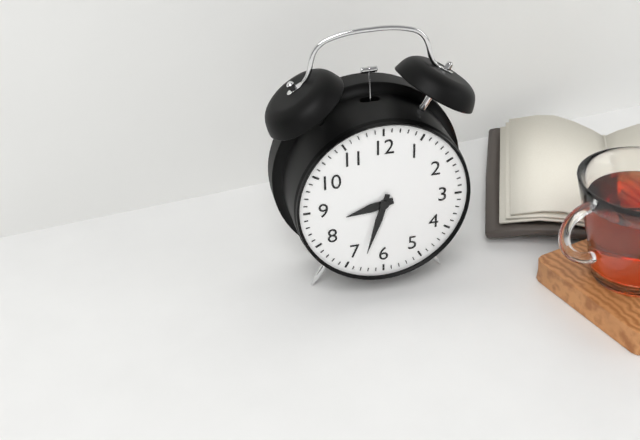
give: {"hour": 8, "minute": 33}
